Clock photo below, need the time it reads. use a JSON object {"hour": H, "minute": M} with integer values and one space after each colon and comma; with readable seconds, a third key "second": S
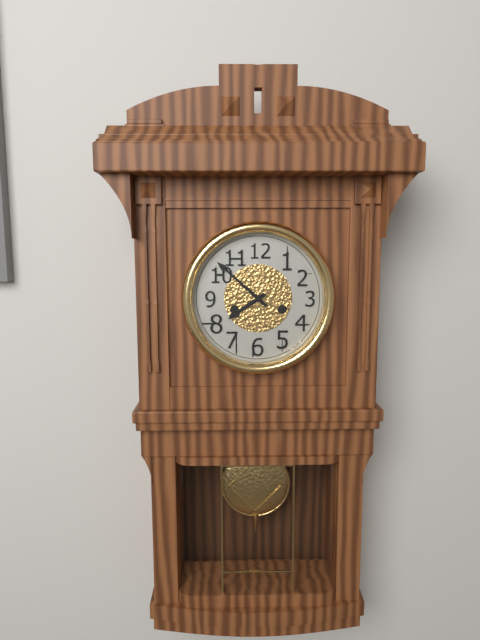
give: {"hour": 7, "minute": 52}
